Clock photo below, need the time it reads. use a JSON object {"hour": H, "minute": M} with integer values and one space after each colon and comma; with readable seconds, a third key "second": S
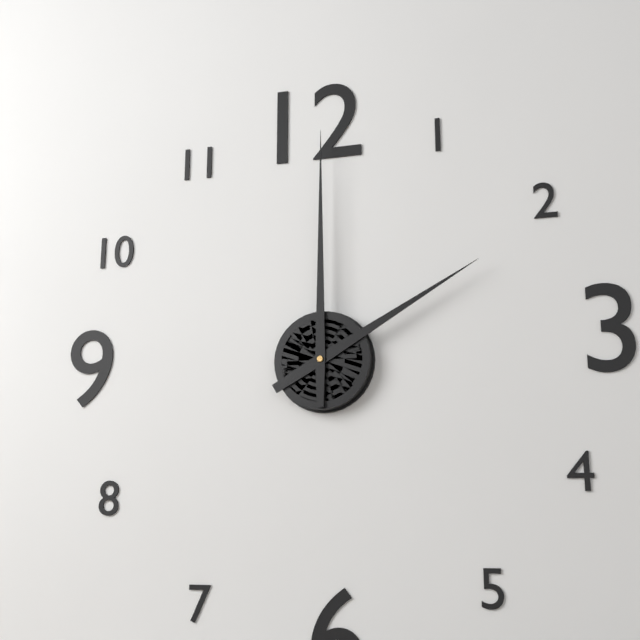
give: {"hour": 2, "minute": 0}
